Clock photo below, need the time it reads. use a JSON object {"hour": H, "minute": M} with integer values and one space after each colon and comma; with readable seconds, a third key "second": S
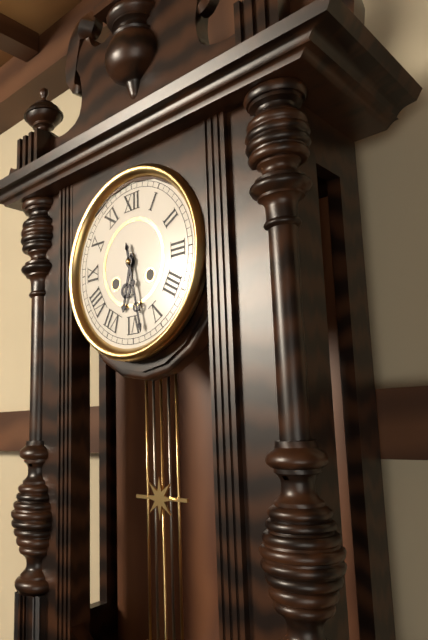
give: {"hour": 6, "minute": 28}
